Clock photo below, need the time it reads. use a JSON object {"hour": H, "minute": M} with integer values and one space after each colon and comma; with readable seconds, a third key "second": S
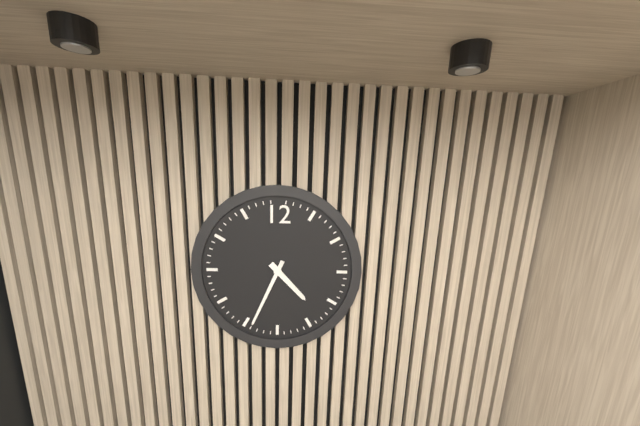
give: {"hour": 4, "minute": 34}
